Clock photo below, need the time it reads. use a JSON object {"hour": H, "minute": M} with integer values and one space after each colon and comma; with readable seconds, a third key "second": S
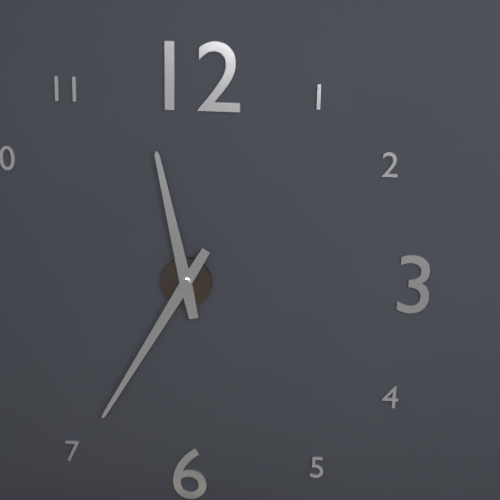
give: {"hour": 11, "minute": 35}
